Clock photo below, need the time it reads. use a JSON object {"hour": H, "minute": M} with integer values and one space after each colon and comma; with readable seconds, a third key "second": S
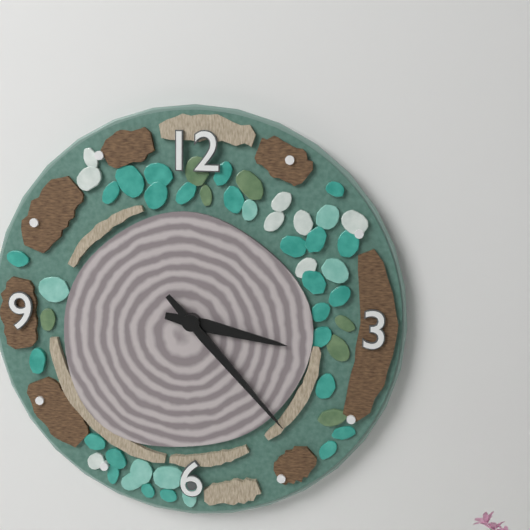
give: {"hour": 3, "minute": 23}
